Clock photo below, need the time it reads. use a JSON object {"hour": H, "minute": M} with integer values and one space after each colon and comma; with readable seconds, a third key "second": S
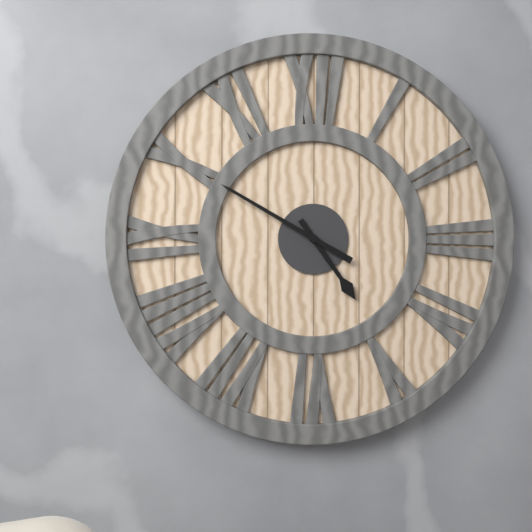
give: {"hour": 4, "minute": 50}
